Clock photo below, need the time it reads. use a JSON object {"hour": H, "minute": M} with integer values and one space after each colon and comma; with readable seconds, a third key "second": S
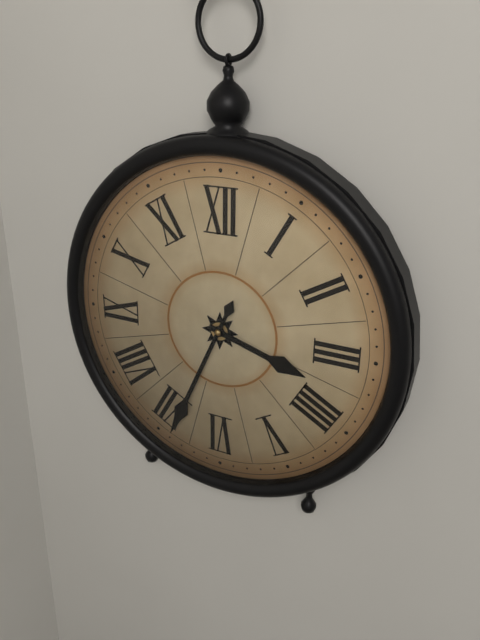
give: {"hour": 3, "minute": 34}
